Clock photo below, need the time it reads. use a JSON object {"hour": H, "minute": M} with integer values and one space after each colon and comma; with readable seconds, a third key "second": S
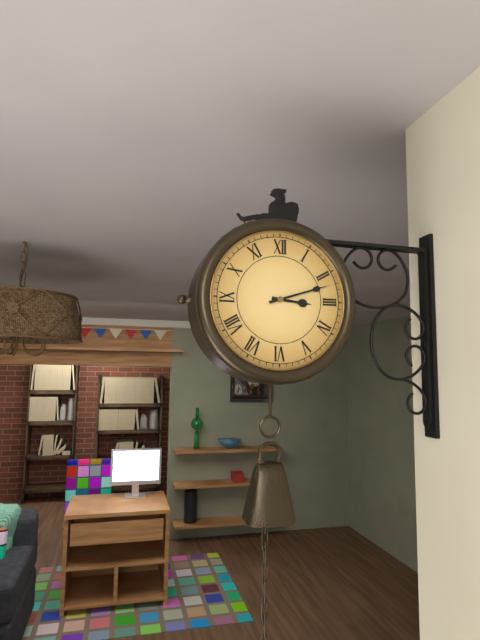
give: {"hour": 3, "minute": 12}
